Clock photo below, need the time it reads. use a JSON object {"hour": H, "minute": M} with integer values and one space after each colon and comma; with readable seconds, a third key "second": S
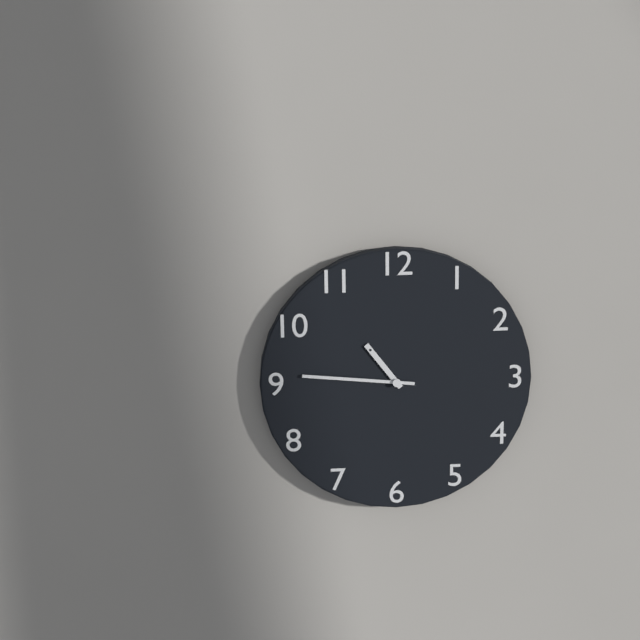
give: {"hour": 10, "minute": 46}
